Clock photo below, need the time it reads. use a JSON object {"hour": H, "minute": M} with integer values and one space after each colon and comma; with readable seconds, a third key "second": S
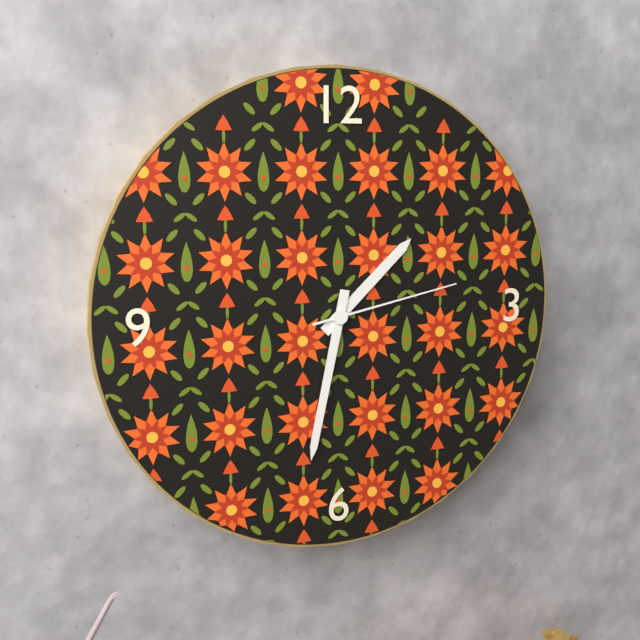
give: {"hour": 1, "minute": 32, "second": 13}
